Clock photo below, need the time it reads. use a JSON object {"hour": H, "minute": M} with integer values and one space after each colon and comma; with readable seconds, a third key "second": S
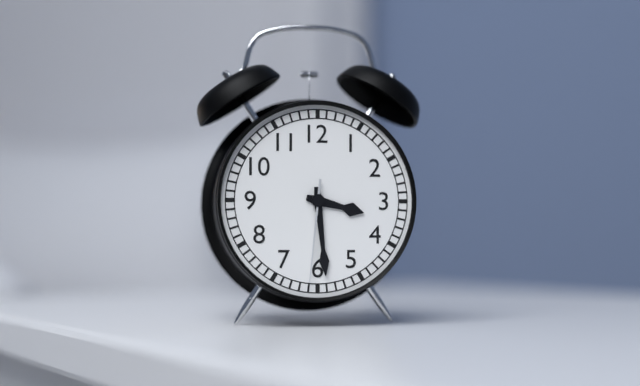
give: {"hour": 3, "minute": 29, "second": 31}
